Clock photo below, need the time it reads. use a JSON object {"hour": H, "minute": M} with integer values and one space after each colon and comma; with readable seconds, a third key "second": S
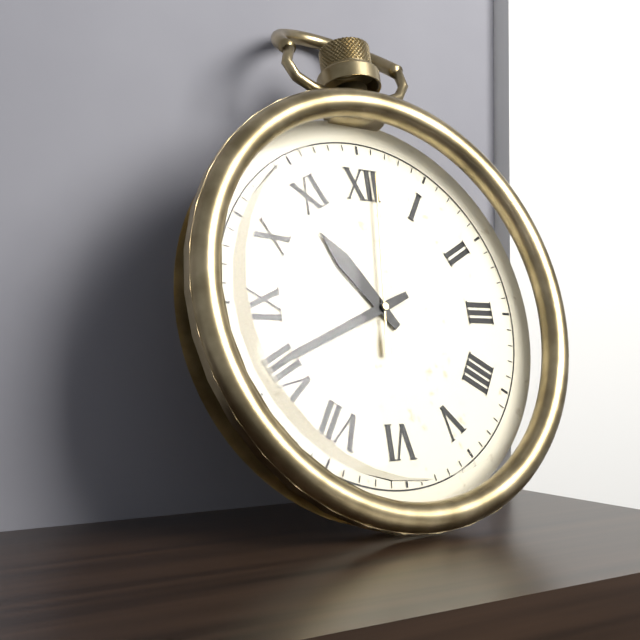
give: {"hour": 10, "minute": 41, "second": 1}
